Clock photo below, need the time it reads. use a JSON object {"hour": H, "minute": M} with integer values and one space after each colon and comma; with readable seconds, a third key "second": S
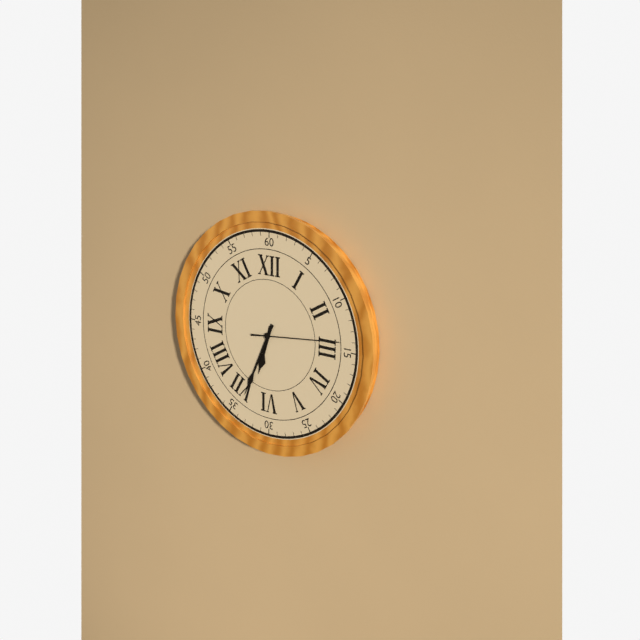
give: {"hour": 6, "minute": 34, "second": 14}
